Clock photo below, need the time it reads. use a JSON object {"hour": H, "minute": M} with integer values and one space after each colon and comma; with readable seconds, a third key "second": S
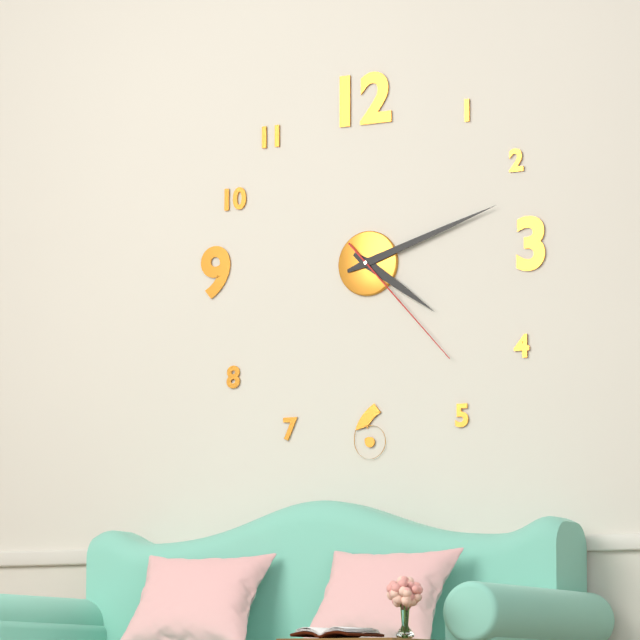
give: {"hour": 4, "minute": 12, "second": 23}
